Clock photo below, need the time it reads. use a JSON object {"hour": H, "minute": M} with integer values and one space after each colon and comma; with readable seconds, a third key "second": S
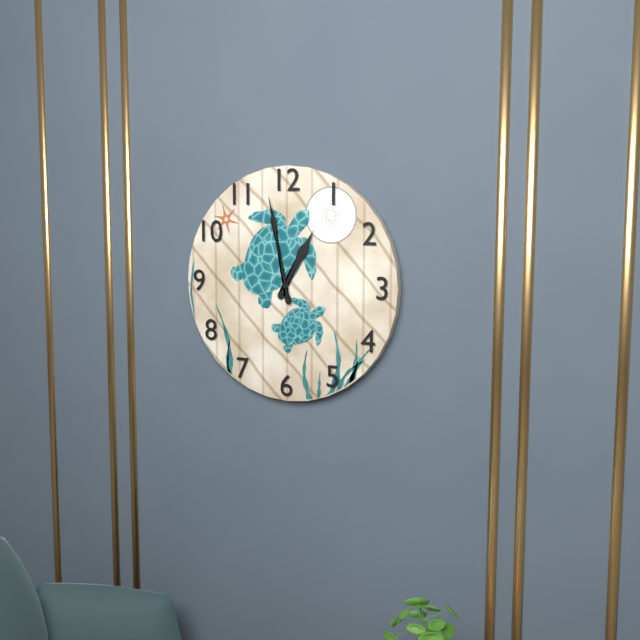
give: {"hour": 12, "minute": 58}
